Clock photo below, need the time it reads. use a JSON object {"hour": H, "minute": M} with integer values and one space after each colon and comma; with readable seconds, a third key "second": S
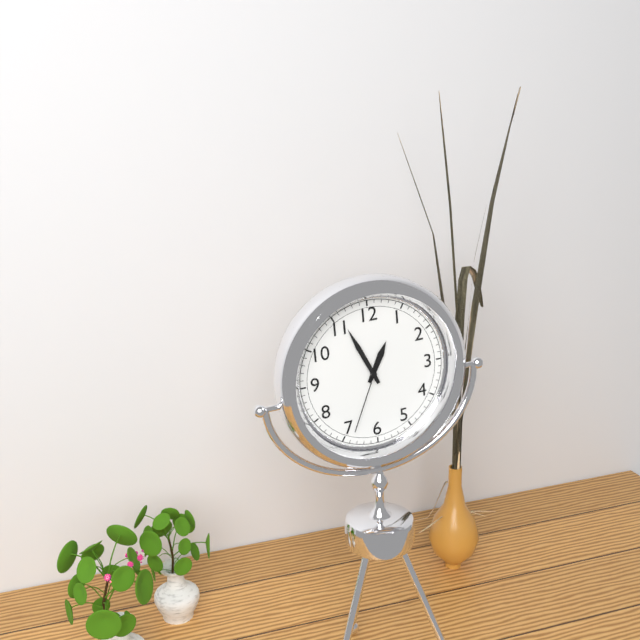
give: {"hour": 12, "minute": 56, "second": 34}
